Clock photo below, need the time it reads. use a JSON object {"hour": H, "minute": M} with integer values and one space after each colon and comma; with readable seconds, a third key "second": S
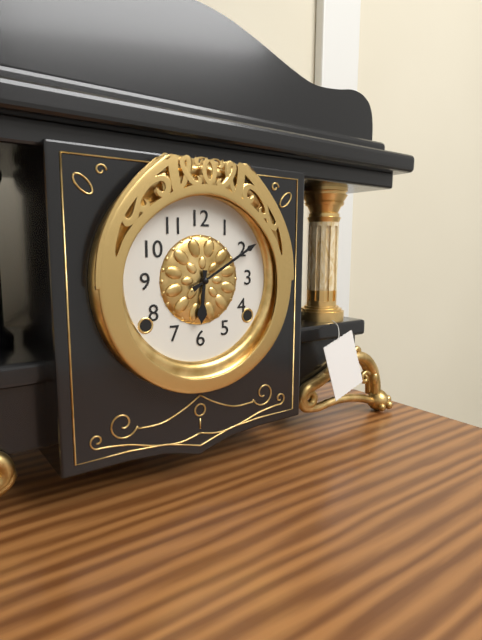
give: {"hour": 6, "minute": 10}
